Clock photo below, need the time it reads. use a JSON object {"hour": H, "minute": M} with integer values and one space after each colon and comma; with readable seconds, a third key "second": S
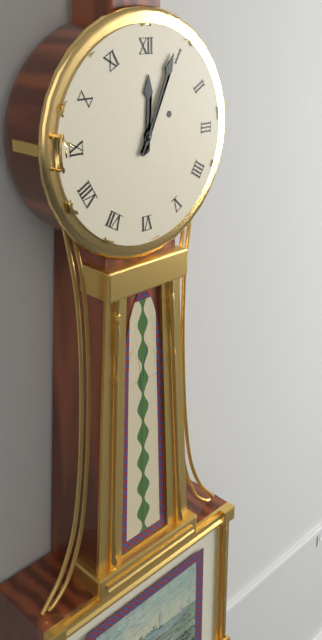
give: {"hour": 12, "minute": 4}
